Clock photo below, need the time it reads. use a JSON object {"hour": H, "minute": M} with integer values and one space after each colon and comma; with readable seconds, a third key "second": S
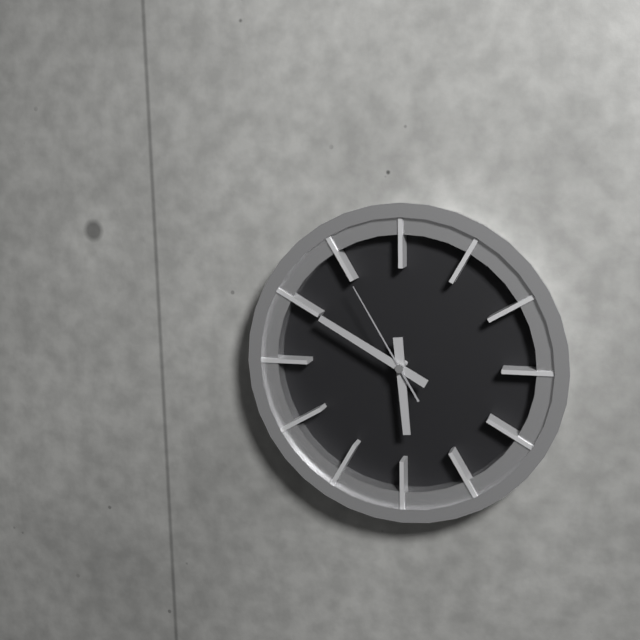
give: {"hour": 5, "minute": 50, "second": 55}
